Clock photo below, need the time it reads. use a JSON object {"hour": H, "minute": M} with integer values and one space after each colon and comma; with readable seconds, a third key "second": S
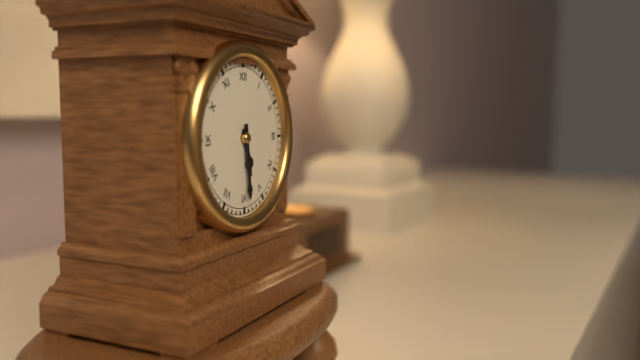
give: {"hour": 5, "minute": 29}
